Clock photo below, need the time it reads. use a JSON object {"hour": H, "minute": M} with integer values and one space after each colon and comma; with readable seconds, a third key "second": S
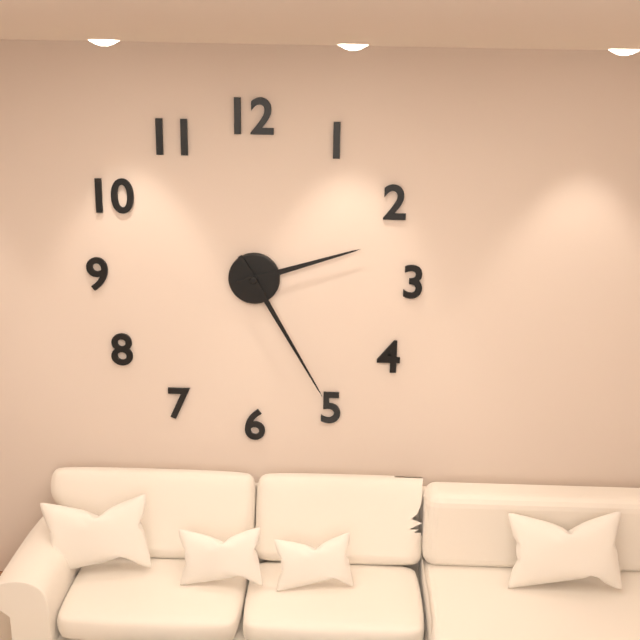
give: {"hour": 2, "minute": 25}
